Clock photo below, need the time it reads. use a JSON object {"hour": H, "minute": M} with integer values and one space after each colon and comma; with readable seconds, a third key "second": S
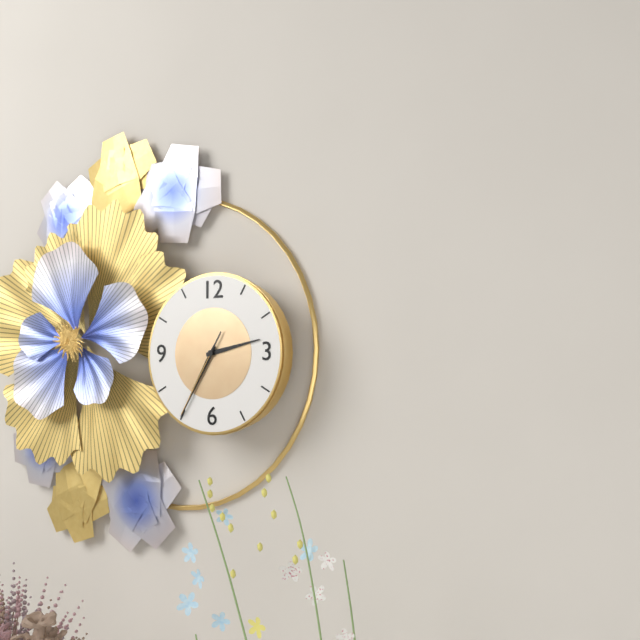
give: {"hour": 2, "minute": 35, "second": 35}
